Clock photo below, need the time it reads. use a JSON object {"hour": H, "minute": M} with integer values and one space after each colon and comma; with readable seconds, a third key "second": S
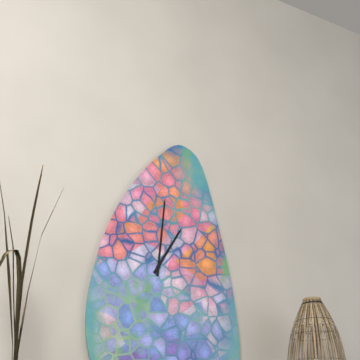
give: {"hour": 1, "minute": 1}
